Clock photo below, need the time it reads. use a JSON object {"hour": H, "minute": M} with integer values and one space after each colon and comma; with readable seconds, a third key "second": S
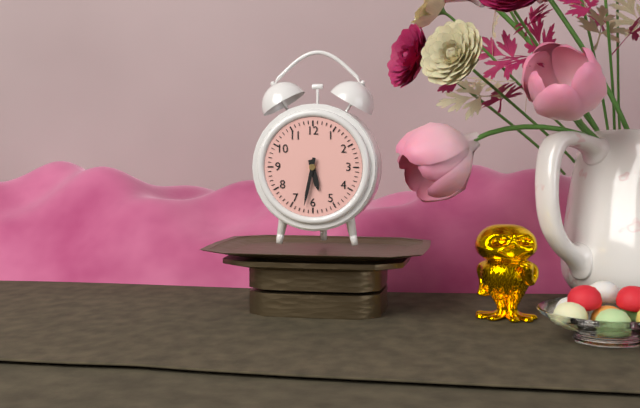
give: {"hour": 5, "minute": 32}
